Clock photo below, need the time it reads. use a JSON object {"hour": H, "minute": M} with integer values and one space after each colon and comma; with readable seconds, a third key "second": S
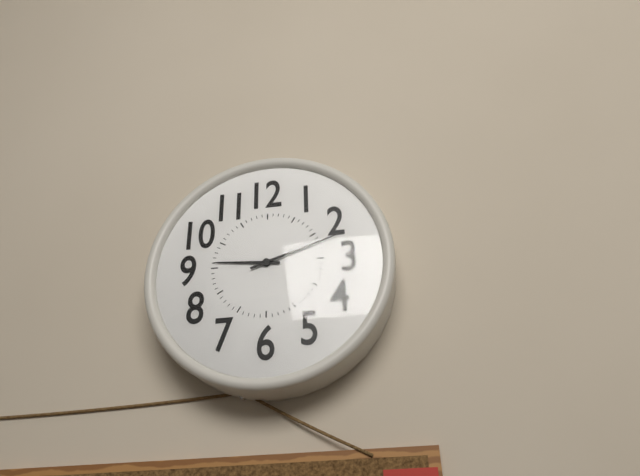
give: {"hour": 9, "minute": 12}
